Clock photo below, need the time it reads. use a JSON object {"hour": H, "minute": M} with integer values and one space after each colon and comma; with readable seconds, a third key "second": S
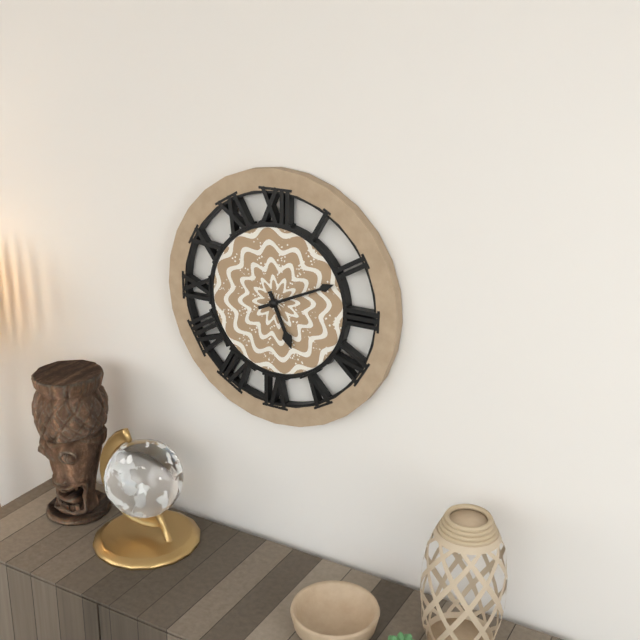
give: {"hour": 5, "minute": 11}
